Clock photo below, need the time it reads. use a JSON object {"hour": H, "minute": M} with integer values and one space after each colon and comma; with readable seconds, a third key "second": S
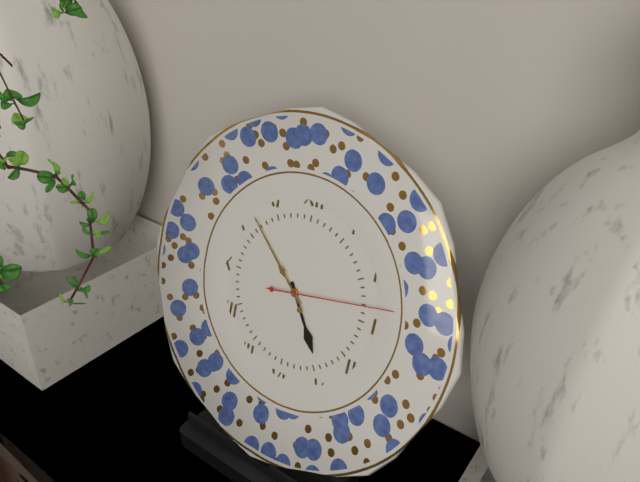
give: {"hour": 4, "minute": 52, "second": 13}
